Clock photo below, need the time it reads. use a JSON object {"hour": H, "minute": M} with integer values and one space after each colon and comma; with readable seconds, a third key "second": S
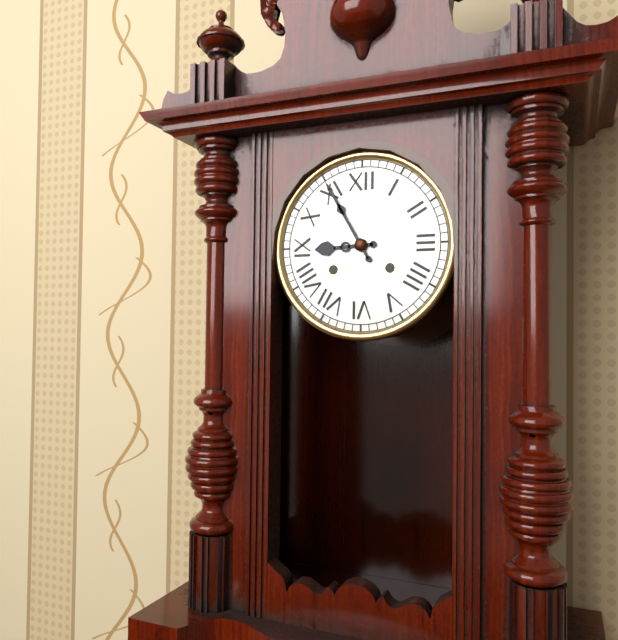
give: {"hour": 8, "minute": 55}
